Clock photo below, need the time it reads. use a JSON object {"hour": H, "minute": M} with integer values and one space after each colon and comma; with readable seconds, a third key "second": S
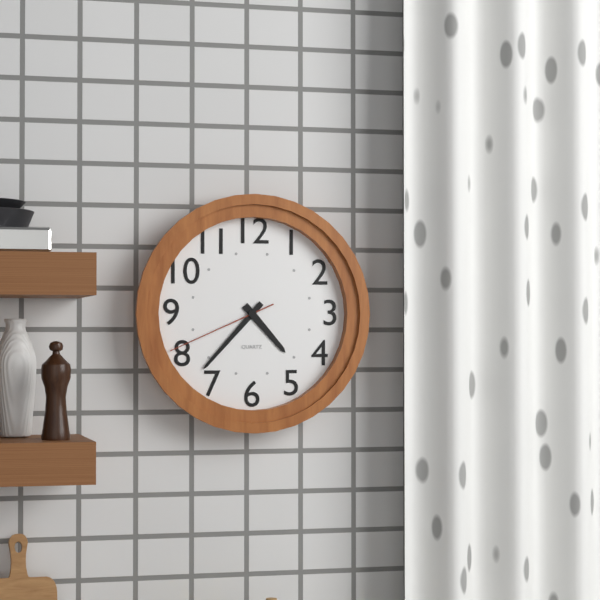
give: {"hour": 4, "minute": 37, "second": 41}
